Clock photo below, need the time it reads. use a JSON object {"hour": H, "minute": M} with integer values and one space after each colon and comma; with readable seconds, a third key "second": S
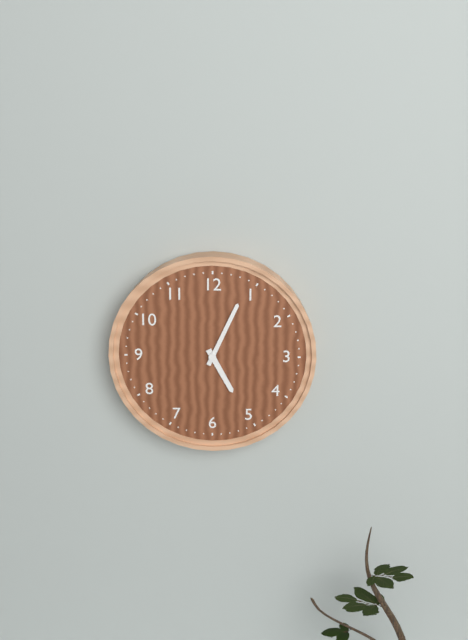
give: {"hour": 5, "minute": 4}
